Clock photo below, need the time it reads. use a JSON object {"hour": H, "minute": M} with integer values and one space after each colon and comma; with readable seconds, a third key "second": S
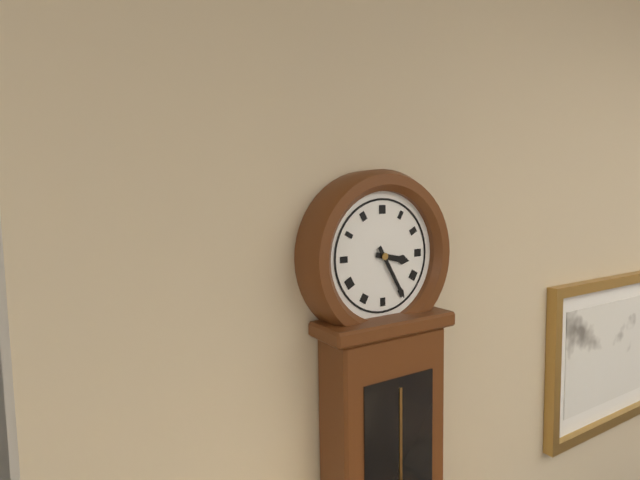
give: {"hour": 3, "minute": 25}
